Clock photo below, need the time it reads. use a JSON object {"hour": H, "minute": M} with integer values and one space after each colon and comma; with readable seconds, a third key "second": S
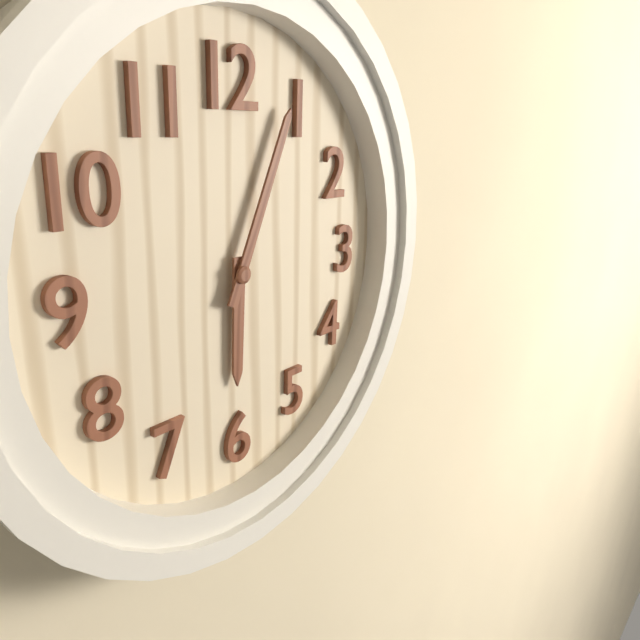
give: {"hour": 6, "minute": 4}
